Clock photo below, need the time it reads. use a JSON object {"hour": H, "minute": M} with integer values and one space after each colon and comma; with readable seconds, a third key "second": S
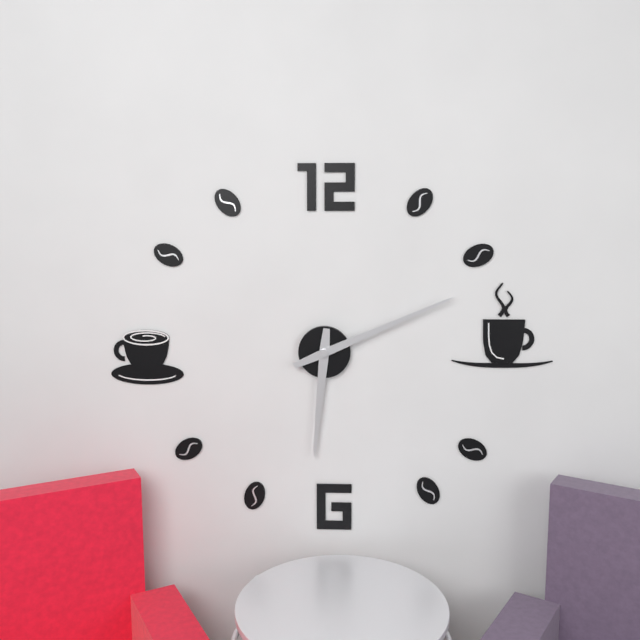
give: {"hour": 6, "minute": 11}
